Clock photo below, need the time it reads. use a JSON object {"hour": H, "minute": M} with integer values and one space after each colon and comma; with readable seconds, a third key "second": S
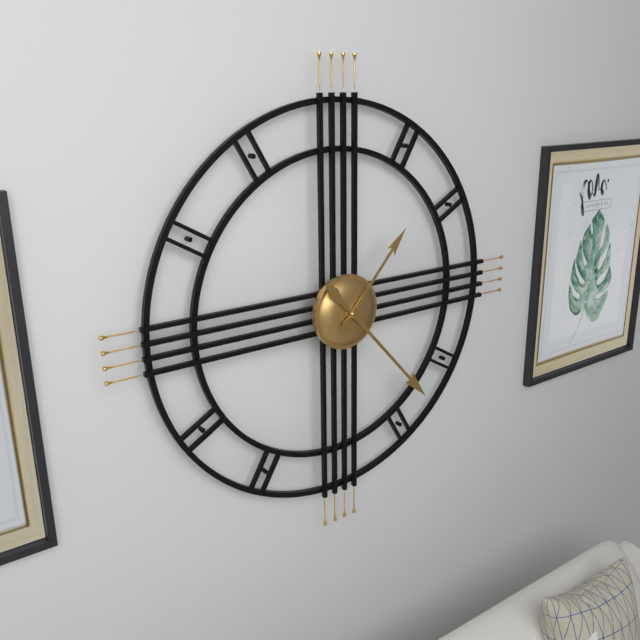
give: {"hour": 1, "minute": 23}
